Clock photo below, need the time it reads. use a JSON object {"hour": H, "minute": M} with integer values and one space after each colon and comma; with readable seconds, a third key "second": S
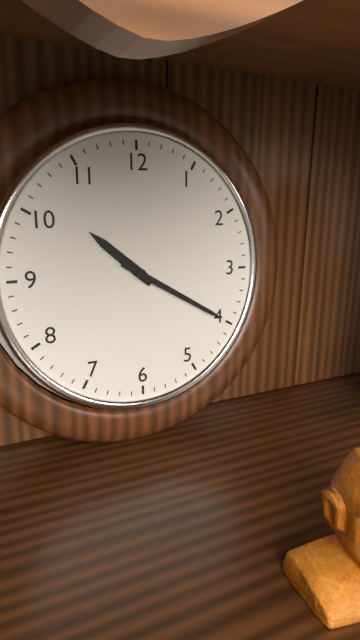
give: {"hour": 10, "minute": 20}
